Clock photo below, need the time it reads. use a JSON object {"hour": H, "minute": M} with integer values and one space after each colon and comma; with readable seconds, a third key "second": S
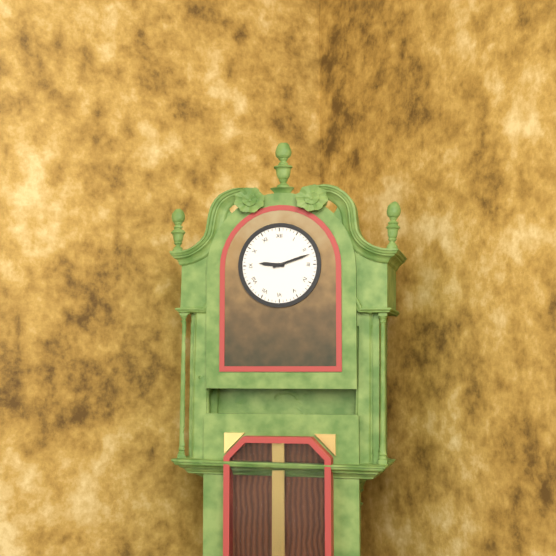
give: {"hour": 9, "minute": 12}
